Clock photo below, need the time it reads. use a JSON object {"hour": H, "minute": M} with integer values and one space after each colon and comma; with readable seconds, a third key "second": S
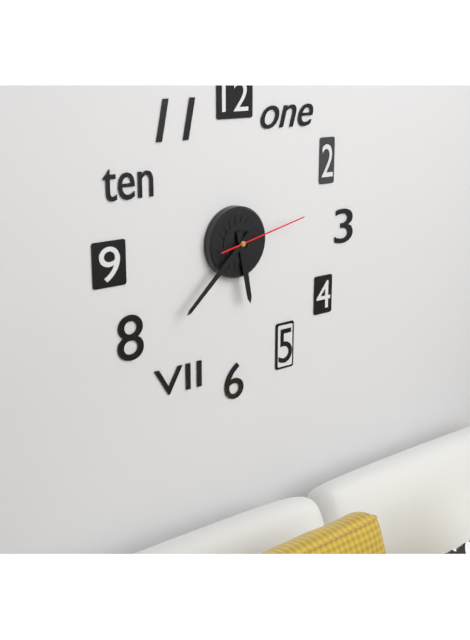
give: {"hour": 5, "minute": 38, "second": 13}
